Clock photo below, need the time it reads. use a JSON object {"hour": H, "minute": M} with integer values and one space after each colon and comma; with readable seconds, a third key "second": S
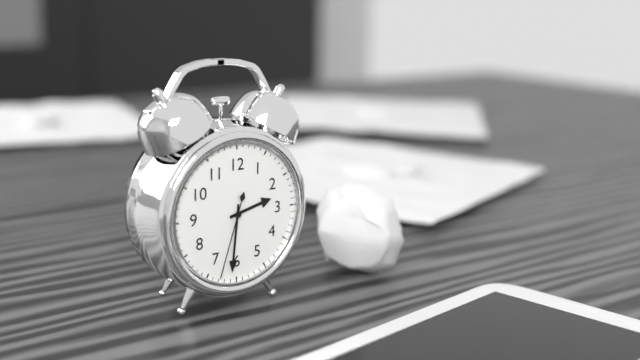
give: {"hour": 2, "minute": 31, "second": 33}
